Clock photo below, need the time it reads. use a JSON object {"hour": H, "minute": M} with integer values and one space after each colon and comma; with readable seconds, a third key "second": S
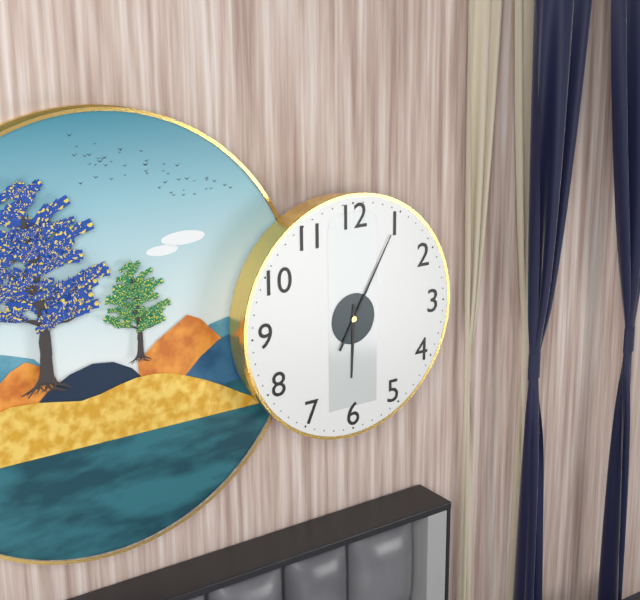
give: {"hour": 6, "minute": 5}
